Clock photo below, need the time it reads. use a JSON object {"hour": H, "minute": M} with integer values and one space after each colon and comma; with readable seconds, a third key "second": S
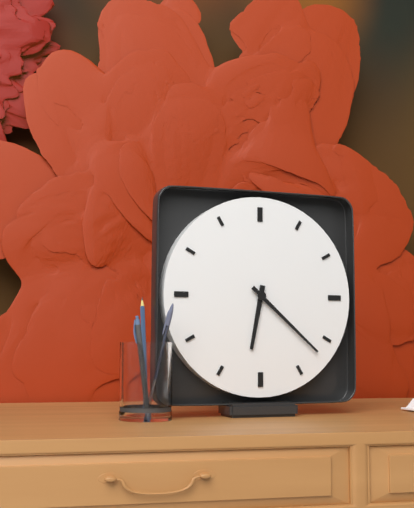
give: {"hour": 6, "minute": 22}
